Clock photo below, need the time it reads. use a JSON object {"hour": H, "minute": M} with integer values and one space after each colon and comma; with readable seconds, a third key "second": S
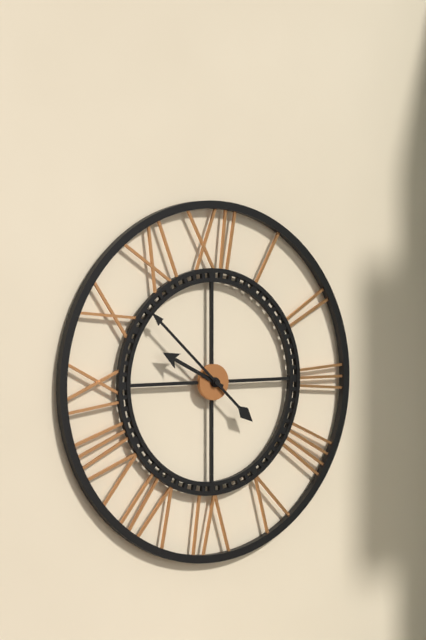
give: {"hour": 9, "minute": 52}
